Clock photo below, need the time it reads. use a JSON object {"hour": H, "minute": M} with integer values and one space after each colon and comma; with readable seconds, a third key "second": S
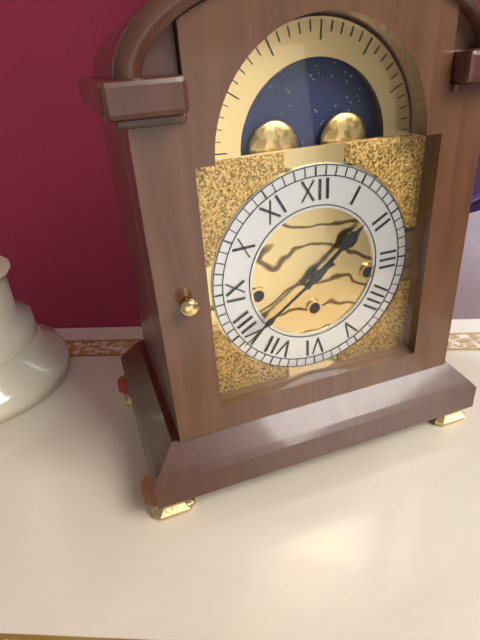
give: {"hour": 1, "minute": 39}
